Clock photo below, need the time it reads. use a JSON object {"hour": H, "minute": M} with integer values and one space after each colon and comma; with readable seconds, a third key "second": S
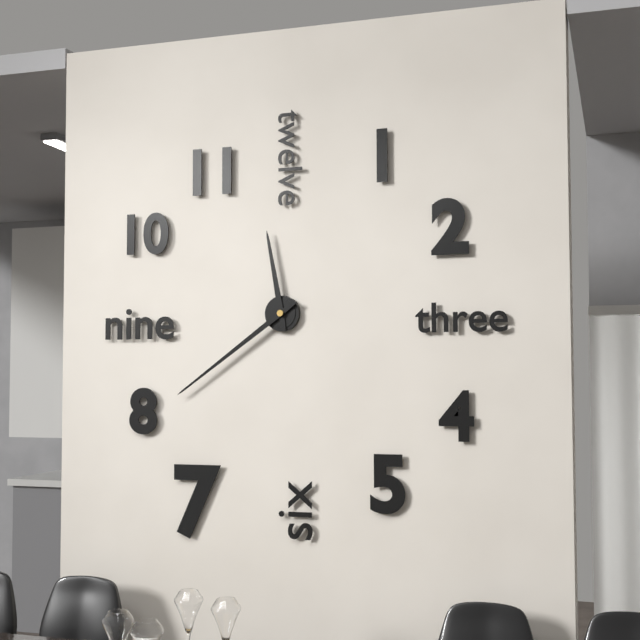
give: {"hour": 11, "minute": 39}
